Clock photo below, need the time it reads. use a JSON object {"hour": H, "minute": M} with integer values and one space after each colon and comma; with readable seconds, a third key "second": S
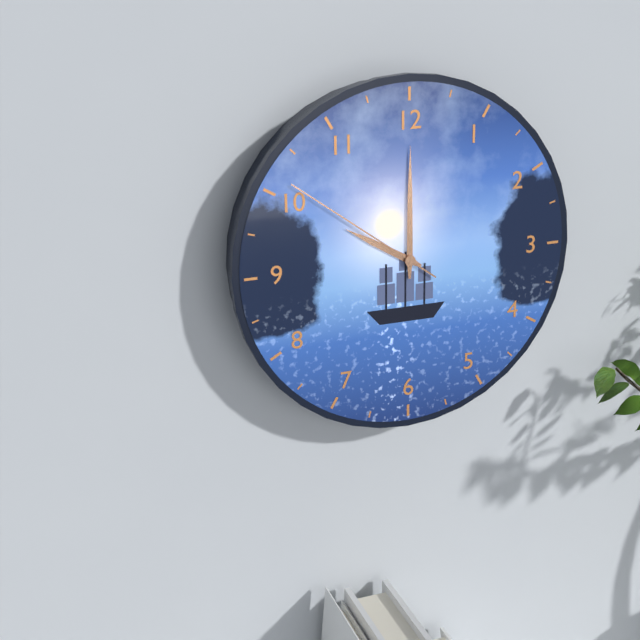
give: {"hour": 10, "minute": 0, "second": 51}
